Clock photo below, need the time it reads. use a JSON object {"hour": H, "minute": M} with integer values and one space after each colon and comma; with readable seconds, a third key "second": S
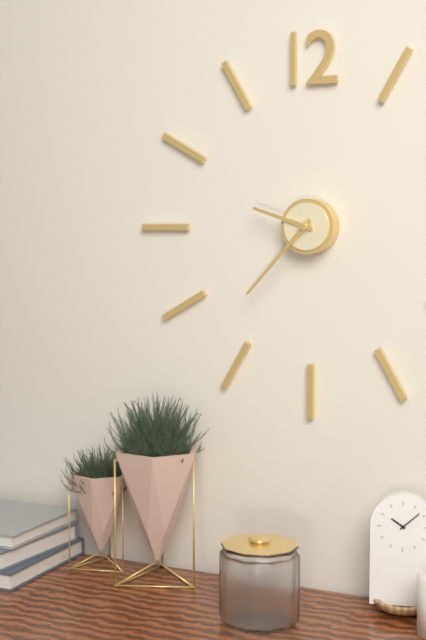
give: {"hour": 9, "minute": 37}
